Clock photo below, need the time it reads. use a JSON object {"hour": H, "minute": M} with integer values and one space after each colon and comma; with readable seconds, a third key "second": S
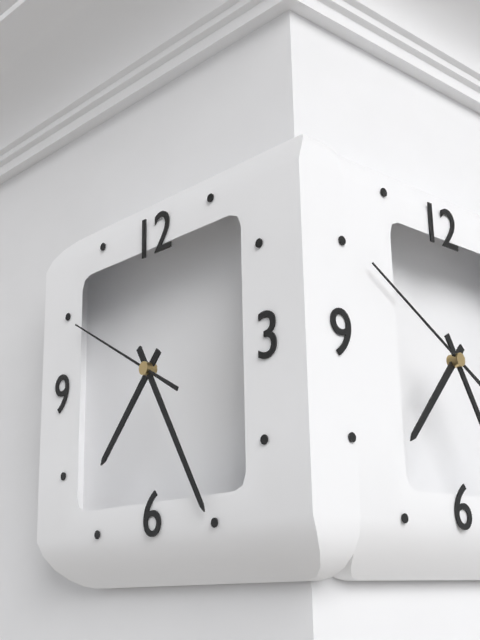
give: {"hour": 7, "minute": 25, "second": 50}
